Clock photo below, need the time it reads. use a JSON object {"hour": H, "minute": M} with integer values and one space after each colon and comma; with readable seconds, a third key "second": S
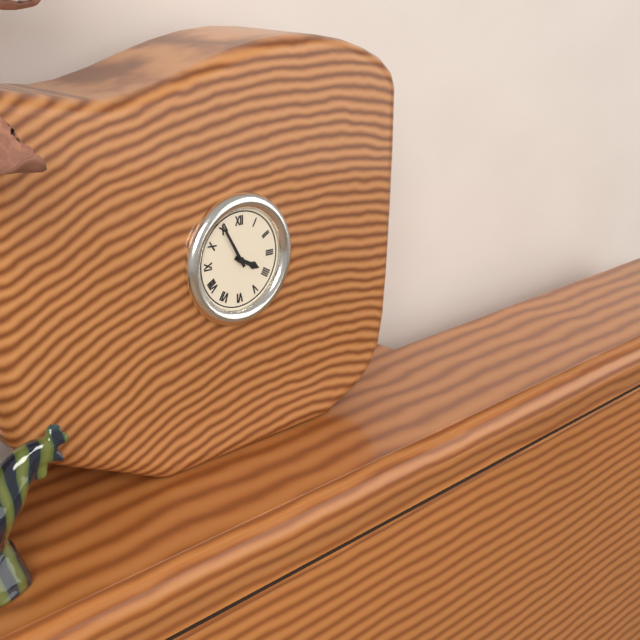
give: {"hour": 3, "minute": 55}
